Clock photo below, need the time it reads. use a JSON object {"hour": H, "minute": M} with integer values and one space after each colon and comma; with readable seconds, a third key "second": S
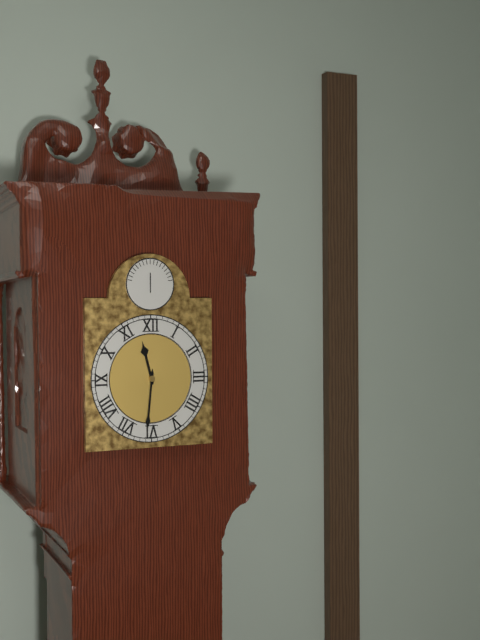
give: {"hour": 11, "minute": 31}
